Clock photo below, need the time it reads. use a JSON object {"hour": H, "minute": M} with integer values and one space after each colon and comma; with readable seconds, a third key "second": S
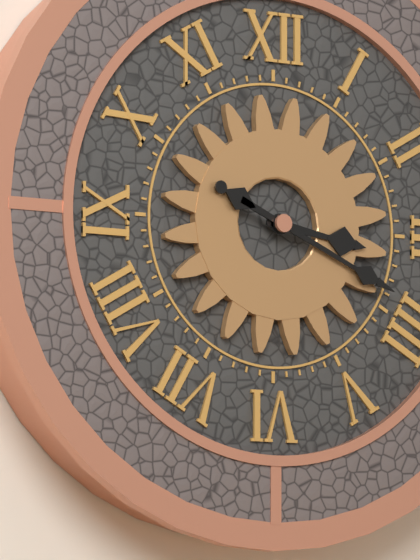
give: {"hour": 3, "minute": 19}
